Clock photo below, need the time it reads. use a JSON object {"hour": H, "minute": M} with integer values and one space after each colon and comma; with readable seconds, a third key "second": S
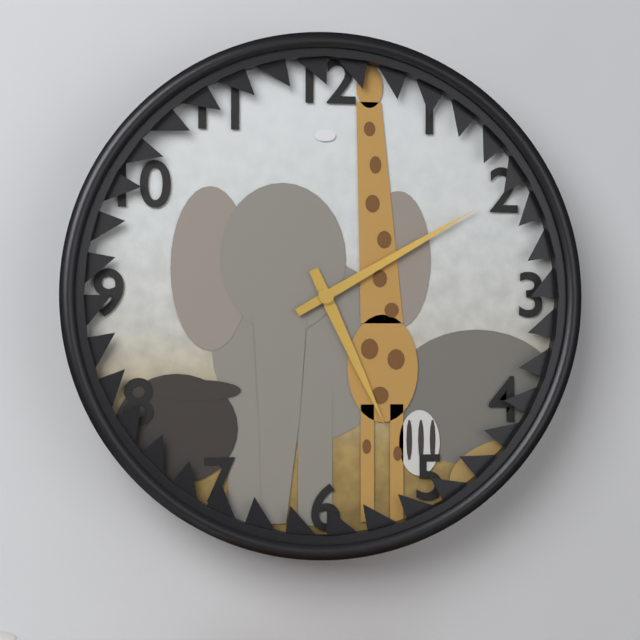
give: {"hour": 5, "minute": 10}
